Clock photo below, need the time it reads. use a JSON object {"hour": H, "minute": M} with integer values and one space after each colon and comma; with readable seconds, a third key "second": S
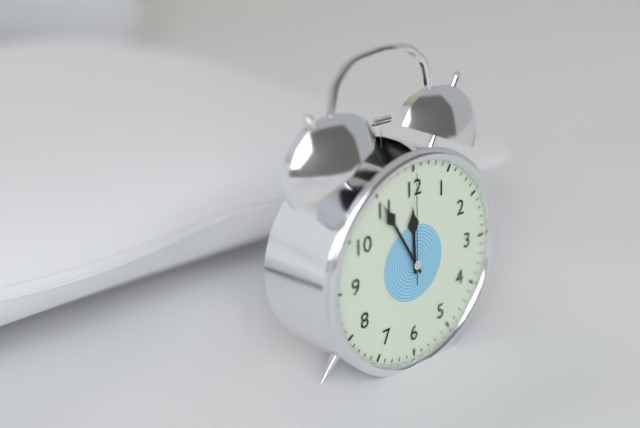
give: {"hour": 11, "minute": 55, "second": 0}
